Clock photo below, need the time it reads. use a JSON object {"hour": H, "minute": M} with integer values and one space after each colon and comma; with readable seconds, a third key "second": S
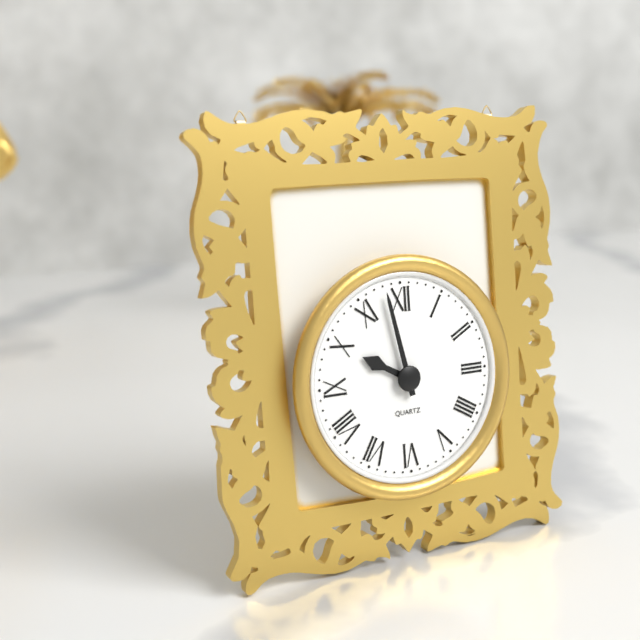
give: {"hour": 9, "minute": 58}
